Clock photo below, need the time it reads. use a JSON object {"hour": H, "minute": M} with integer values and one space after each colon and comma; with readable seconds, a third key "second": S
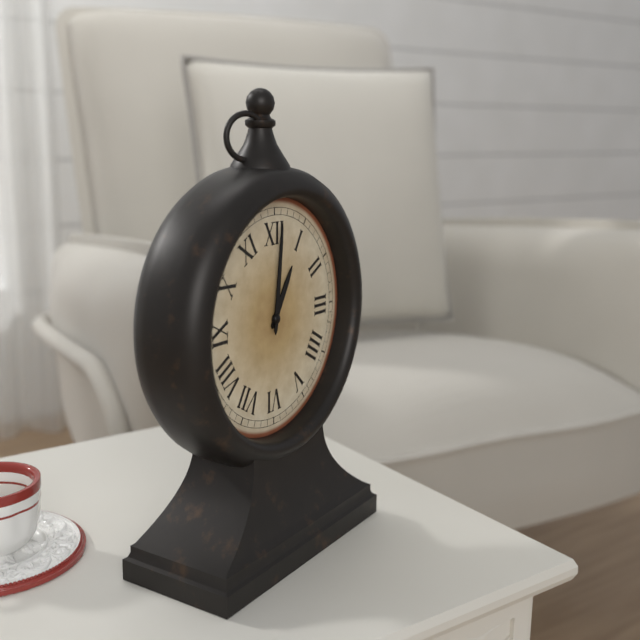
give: {"hour": 1, "minute": 1}
